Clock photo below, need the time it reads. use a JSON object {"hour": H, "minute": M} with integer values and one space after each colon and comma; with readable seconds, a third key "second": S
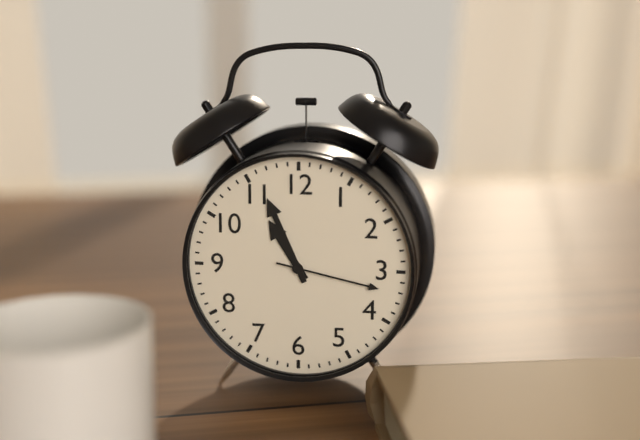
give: {"hour": 10, "minute": 56, "second": 17}
